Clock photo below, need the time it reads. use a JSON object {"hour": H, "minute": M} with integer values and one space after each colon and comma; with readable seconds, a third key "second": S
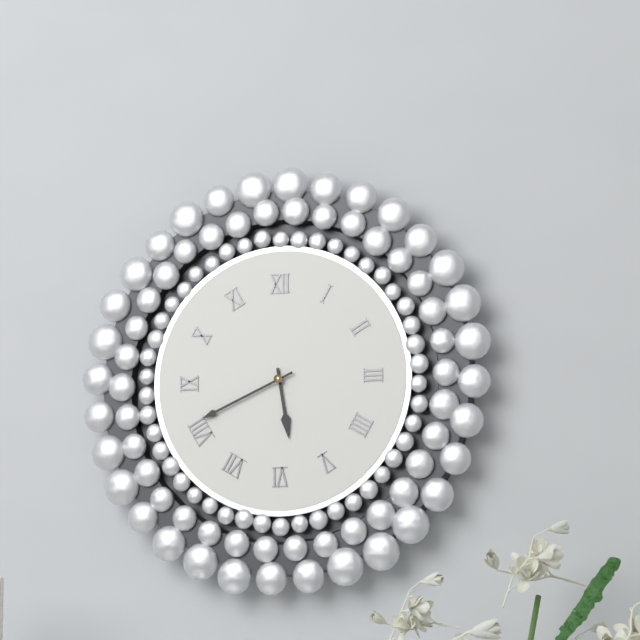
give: {"hour": 5, "minute": 41}
